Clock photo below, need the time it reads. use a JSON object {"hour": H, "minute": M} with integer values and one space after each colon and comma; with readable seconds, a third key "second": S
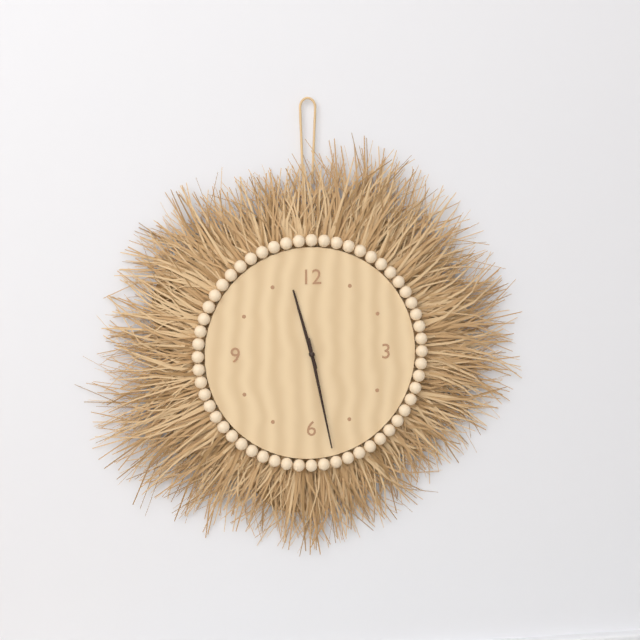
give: {"hour": 11, "minute": 28}
